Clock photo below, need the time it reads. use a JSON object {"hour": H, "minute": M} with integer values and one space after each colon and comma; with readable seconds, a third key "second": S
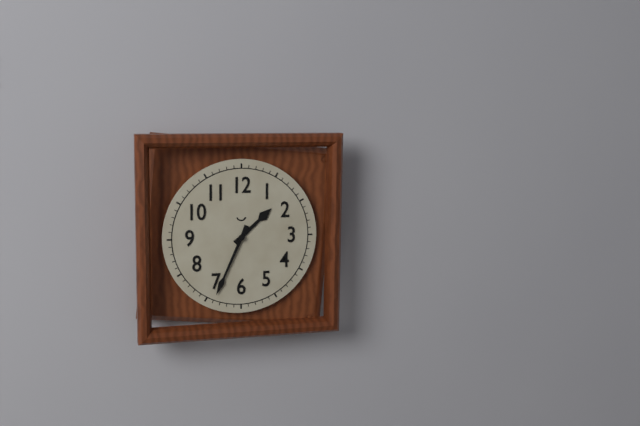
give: {"hour": 1, "minute": 34}
